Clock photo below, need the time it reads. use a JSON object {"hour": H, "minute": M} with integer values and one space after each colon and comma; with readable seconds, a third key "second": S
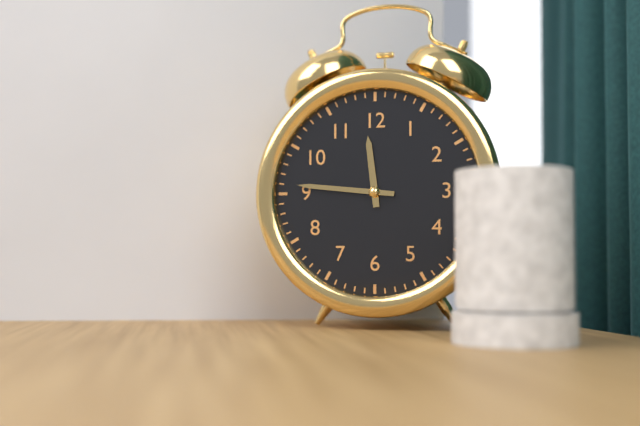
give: {"hour": 11, "minute": 46}
